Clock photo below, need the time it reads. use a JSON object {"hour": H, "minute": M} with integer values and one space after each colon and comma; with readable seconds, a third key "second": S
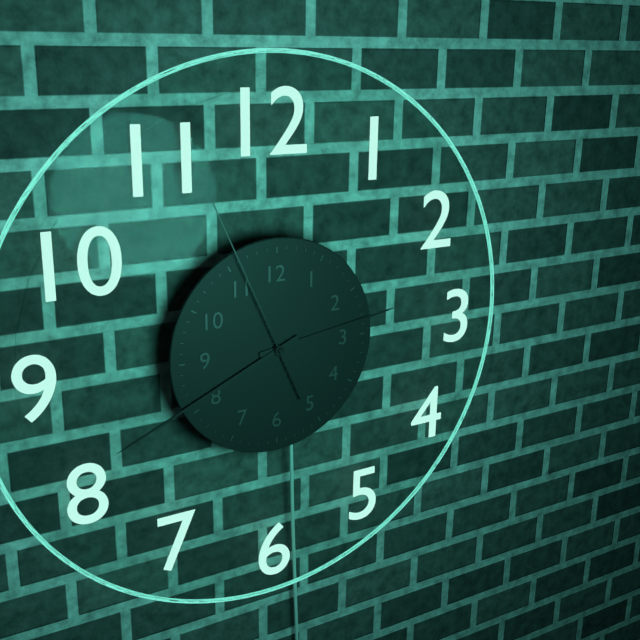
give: {"hour": 2, "minute": 41, "second": 56}
